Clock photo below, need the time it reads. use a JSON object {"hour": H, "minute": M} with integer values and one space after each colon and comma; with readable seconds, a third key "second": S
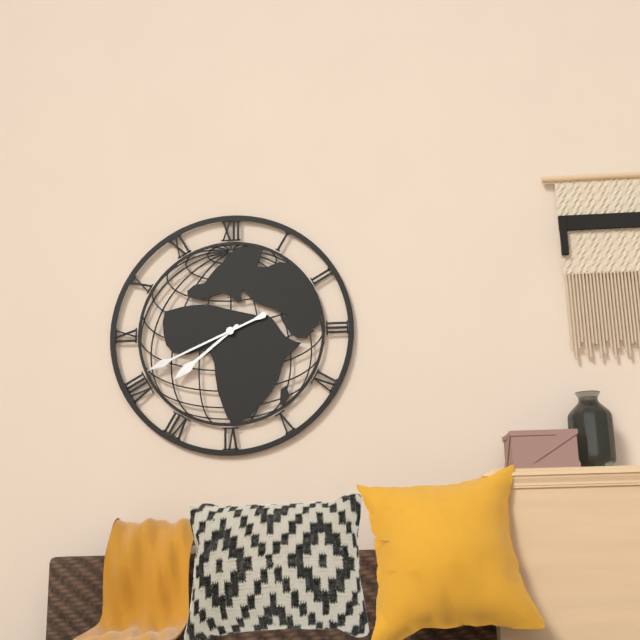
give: {"hour": 7, "minute": 41}
